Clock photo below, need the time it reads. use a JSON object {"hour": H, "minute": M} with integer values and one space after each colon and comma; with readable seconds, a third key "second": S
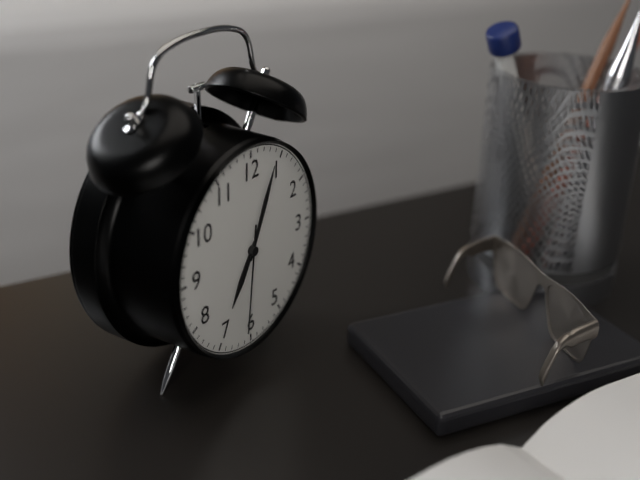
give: {"hour": 7, "minute": 4, "second": 31}
